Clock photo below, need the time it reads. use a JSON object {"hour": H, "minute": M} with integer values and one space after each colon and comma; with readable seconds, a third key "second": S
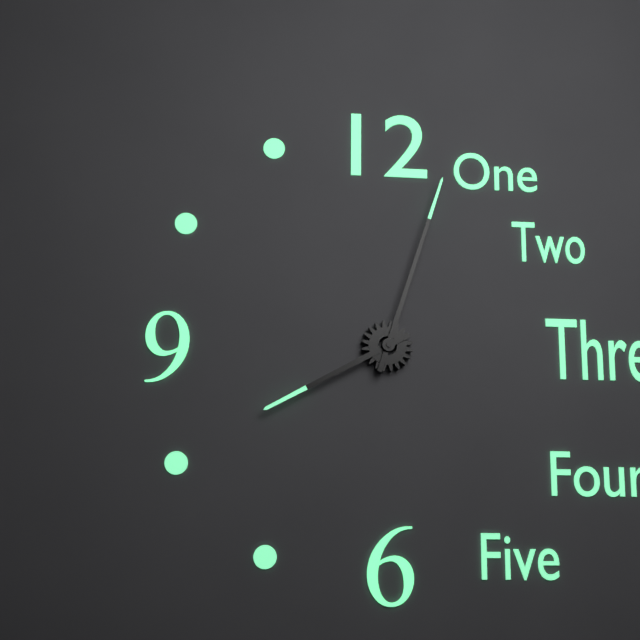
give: {"hour": 8, "minute": 3}
